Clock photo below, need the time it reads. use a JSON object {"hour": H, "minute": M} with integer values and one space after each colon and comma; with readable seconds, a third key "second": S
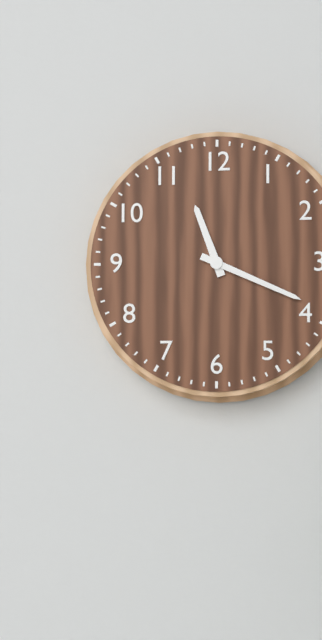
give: {"hour": 11, "minute": 19}
